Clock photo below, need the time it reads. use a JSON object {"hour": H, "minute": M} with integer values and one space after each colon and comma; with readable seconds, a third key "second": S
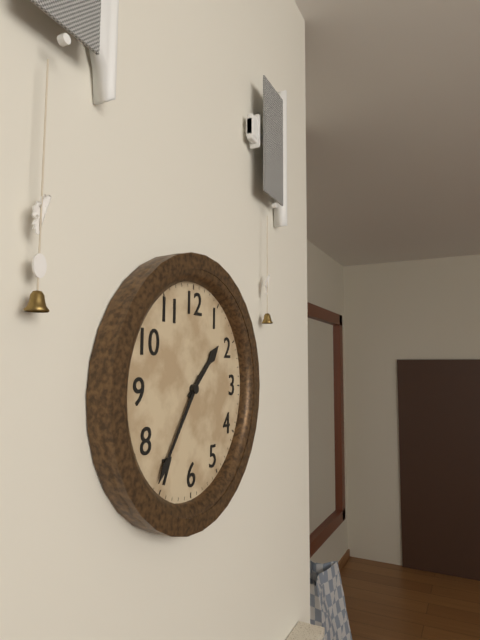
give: {"hour": 1, "minute": 36}
